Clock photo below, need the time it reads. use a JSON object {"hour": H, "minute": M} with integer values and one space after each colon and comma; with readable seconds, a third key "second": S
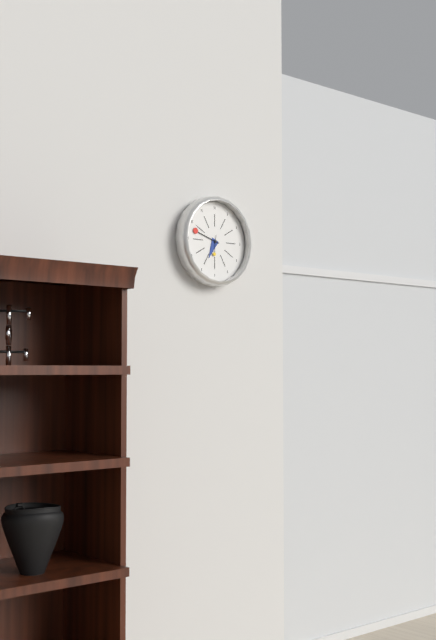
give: {"hour": 6, "minute": 48}
